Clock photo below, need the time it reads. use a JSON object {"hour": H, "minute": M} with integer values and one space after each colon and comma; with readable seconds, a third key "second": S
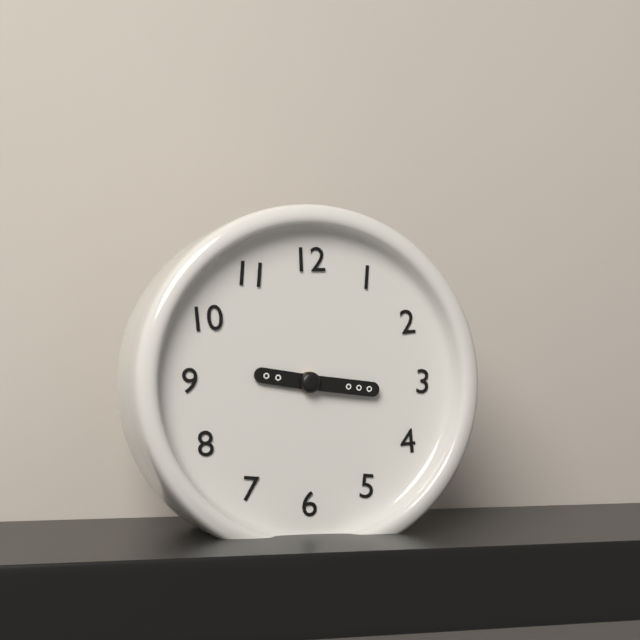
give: {"hour": 9, "minute": 16}
